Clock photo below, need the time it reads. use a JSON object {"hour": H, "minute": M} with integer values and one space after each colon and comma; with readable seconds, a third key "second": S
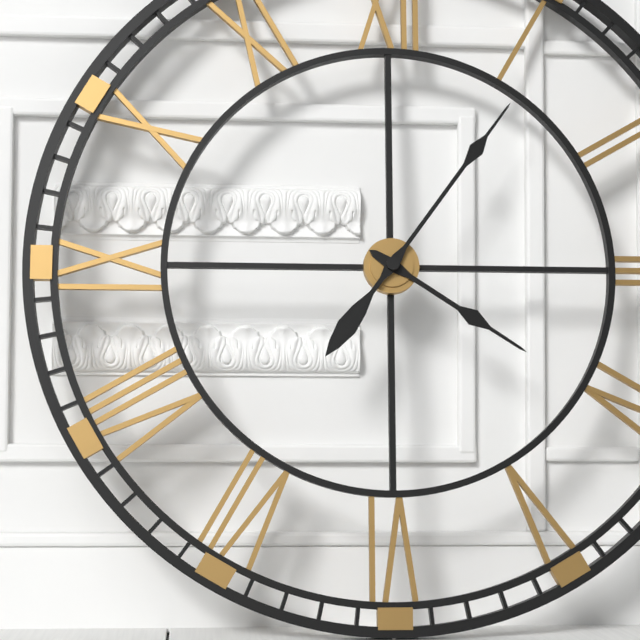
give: {"hour": 4, "minute": 6}
